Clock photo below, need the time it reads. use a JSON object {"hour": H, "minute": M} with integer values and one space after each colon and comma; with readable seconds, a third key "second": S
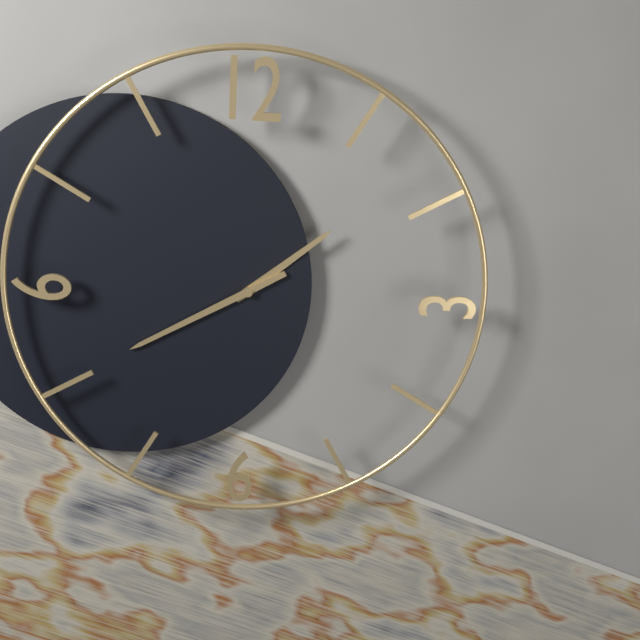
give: {"hour": 1, "minute": 40}
